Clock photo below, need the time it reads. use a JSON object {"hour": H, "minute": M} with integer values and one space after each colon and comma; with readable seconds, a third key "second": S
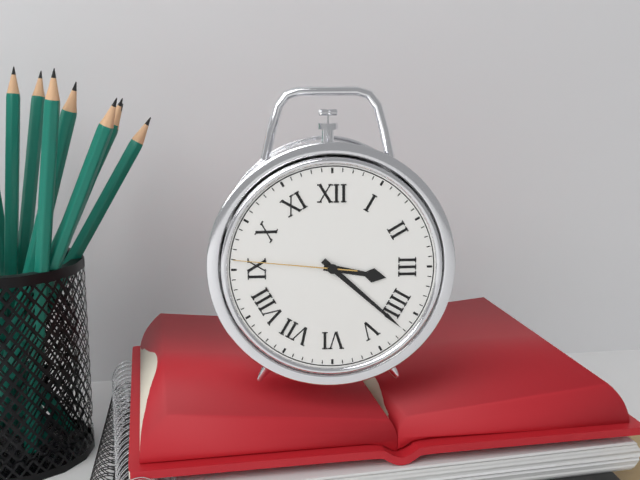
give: {"hour": 3, "minute": 22, "second": 46}
